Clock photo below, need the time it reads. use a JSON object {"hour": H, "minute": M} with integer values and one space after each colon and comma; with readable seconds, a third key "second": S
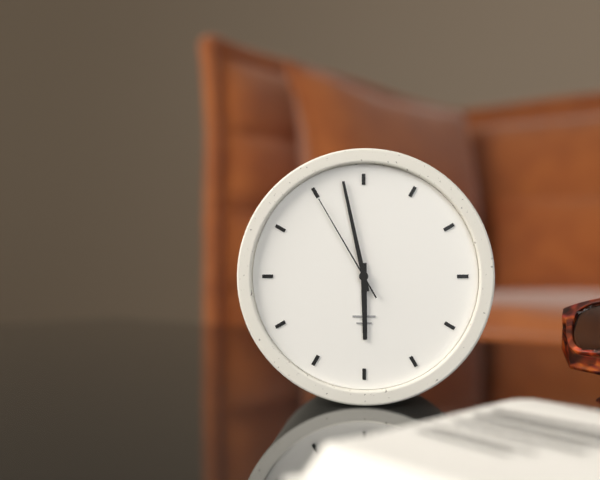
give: {"hour": 5, "minute": 58, "second": 55}
